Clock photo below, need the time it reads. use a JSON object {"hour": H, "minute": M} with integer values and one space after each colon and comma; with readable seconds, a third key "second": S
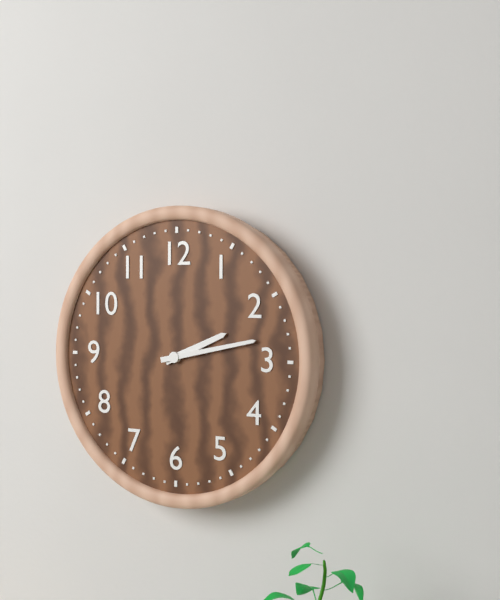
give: {"hour": 2, "minute": 13}
